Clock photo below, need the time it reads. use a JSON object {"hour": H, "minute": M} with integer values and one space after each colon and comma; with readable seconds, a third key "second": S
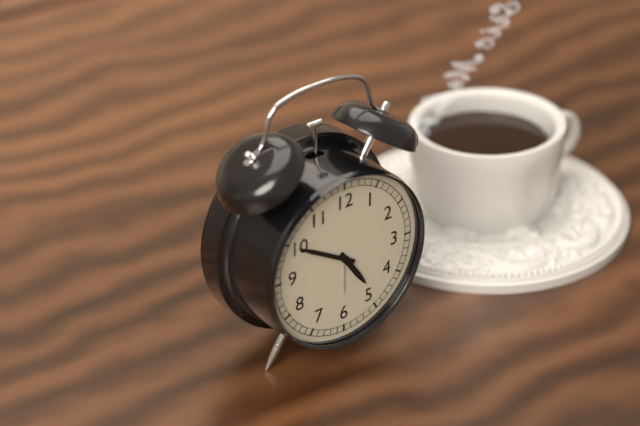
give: {"hour": 4, "minute": 50}
